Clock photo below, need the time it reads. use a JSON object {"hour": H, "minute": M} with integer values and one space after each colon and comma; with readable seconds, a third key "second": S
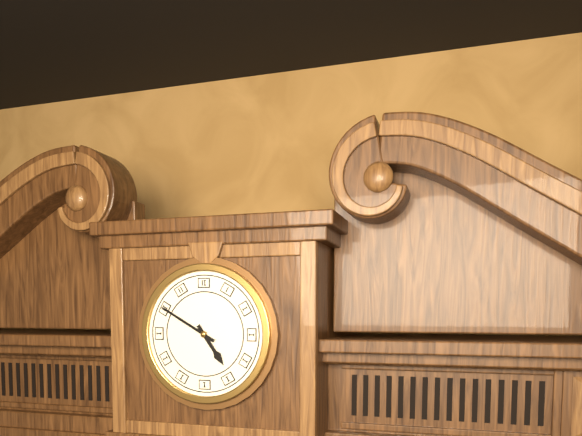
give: {"hour": 4, "minute": 50}
